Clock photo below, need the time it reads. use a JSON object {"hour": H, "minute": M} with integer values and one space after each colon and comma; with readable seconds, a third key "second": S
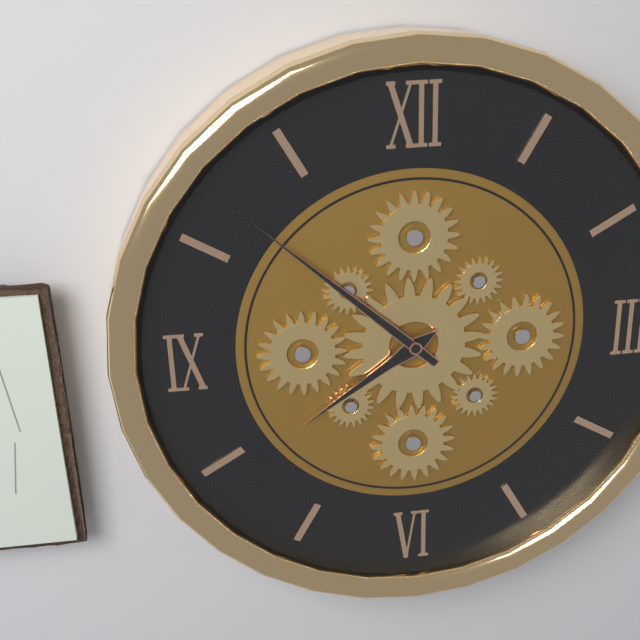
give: {"hour": 7, "minute": 52}
